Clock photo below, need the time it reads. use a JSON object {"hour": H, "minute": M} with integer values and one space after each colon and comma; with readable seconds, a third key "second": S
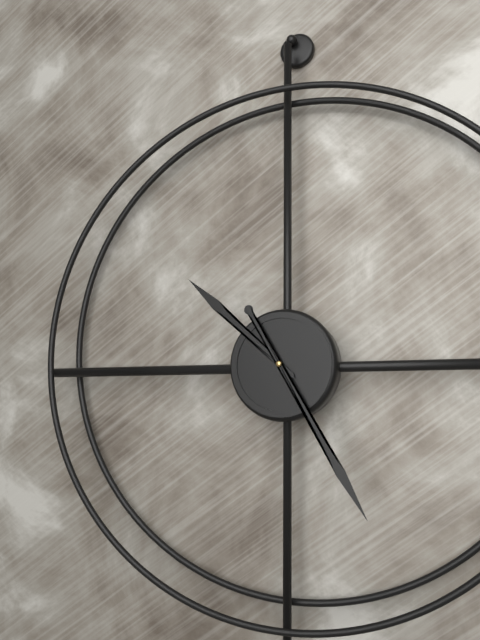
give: {"hour": 10, "minute": 25}
